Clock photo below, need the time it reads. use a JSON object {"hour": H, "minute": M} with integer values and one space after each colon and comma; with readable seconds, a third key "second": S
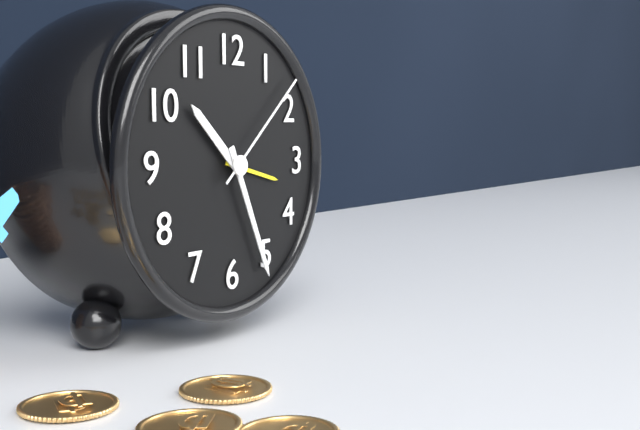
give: {"hour": 10, "minute": 26, "second": 8}
